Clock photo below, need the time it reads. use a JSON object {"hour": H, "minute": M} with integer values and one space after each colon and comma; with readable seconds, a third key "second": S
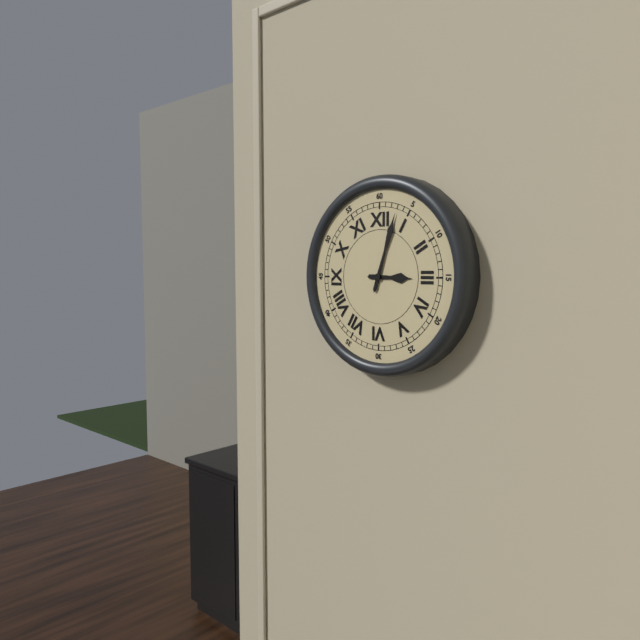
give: {"hour": 3, "minute": 3}
